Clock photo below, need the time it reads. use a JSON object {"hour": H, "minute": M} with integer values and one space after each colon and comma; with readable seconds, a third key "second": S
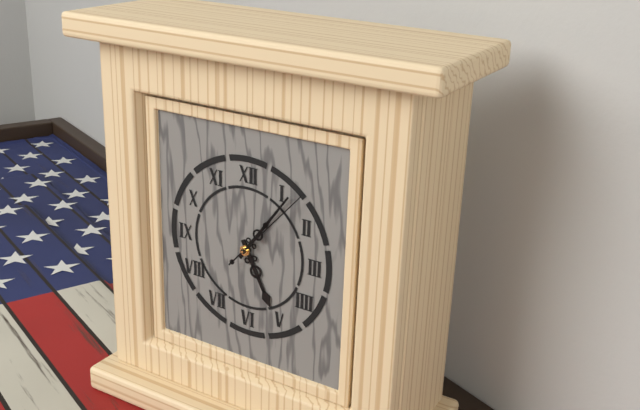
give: {"hour": 5, "minute": 6, "second": 7}
